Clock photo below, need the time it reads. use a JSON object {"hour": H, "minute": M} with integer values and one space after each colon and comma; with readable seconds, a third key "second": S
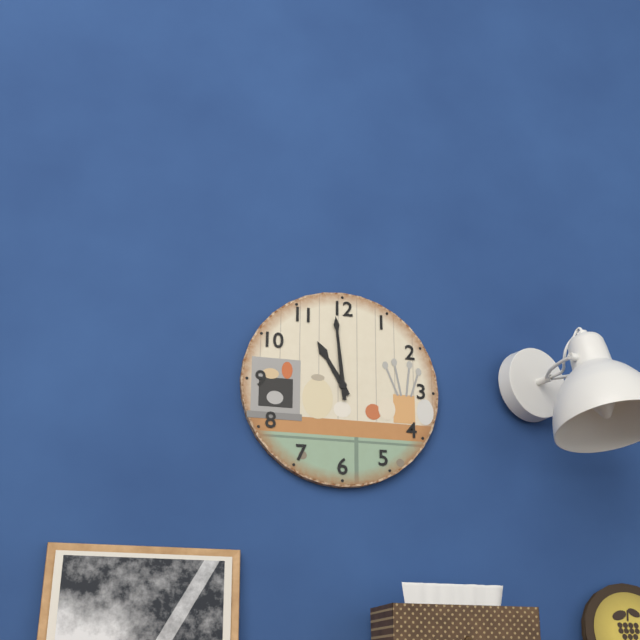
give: {"hour": 10, "minute": 59}
